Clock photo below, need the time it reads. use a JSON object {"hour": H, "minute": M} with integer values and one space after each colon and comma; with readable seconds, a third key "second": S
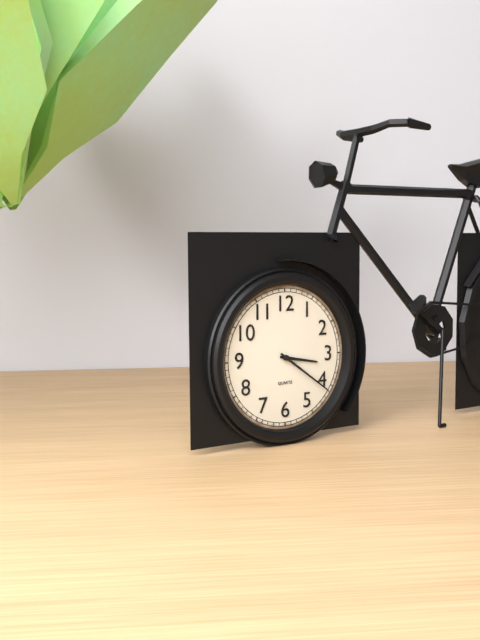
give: {"hour": 3, "minute": 21}
